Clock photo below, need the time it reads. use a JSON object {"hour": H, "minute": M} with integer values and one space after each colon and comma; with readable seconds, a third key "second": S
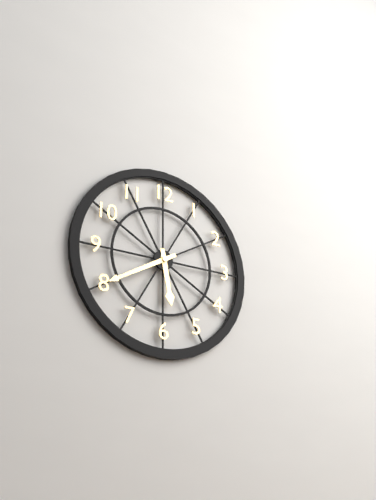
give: {"hour": 5, "minute": 40}
